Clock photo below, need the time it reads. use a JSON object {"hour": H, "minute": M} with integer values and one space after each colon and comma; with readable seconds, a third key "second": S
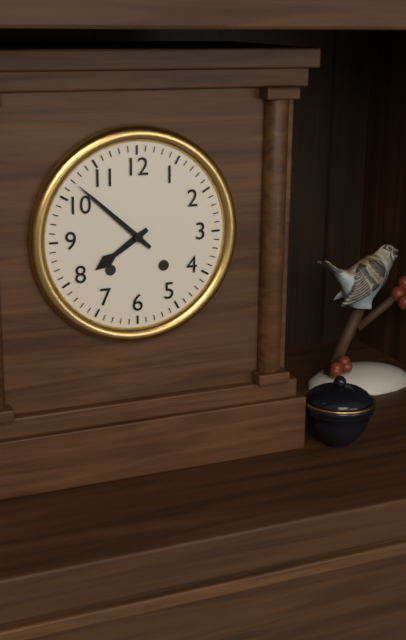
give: {"hour": 7, "minute": 52}
